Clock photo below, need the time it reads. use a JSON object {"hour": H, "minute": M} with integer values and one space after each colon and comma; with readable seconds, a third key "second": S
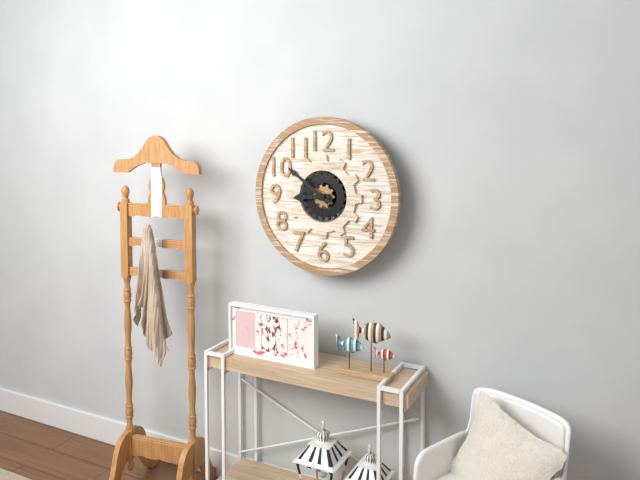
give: {"hour": 8, "minute": 51}
